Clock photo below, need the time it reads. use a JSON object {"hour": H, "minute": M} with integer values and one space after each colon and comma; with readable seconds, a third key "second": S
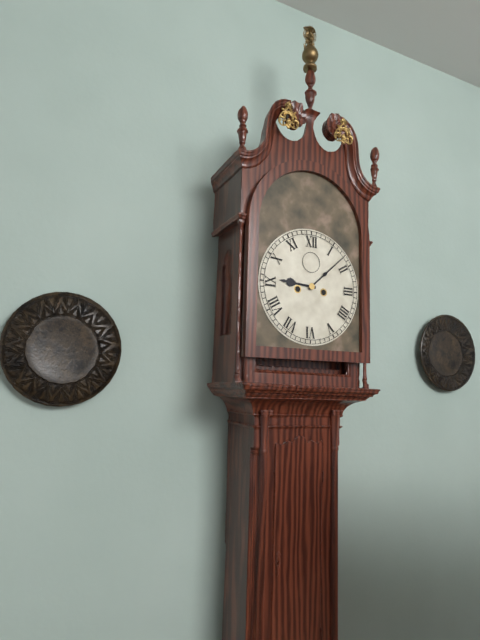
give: {"hour": 9, "minute": 8}
